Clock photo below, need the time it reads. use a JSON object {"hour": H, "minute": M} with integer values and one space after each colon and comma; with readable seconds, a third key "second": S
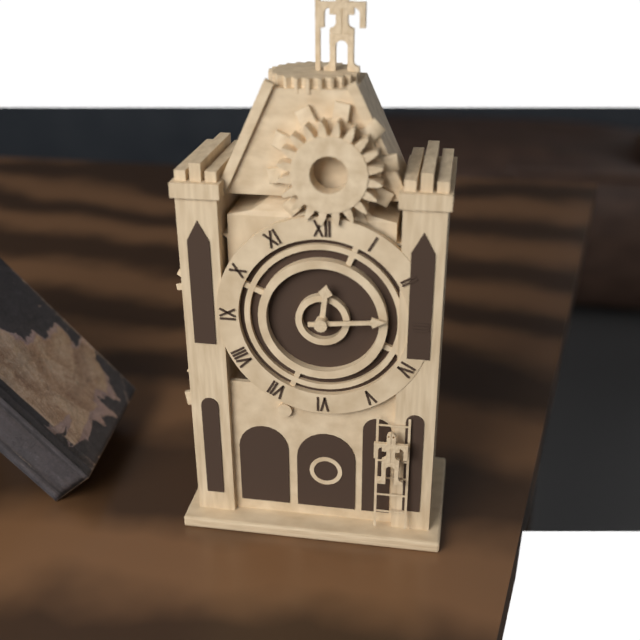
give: {"hour": 12, "minute": 14}
